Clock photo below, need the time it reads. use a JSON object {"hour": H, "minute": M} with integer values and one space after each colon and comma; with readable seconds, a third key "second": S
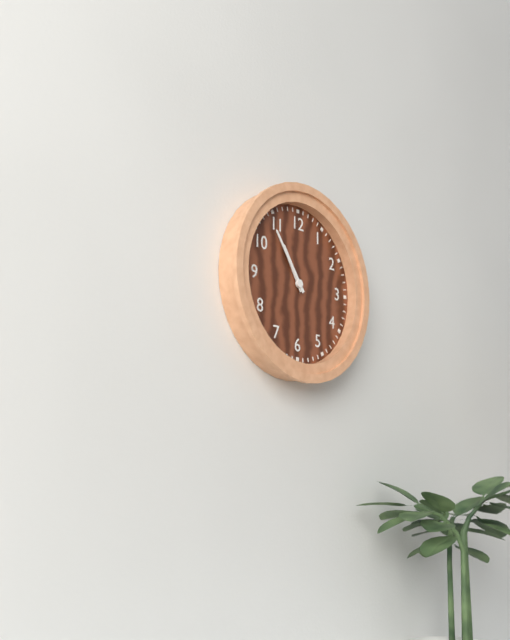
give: {"hour": 10, "minute": 54}
